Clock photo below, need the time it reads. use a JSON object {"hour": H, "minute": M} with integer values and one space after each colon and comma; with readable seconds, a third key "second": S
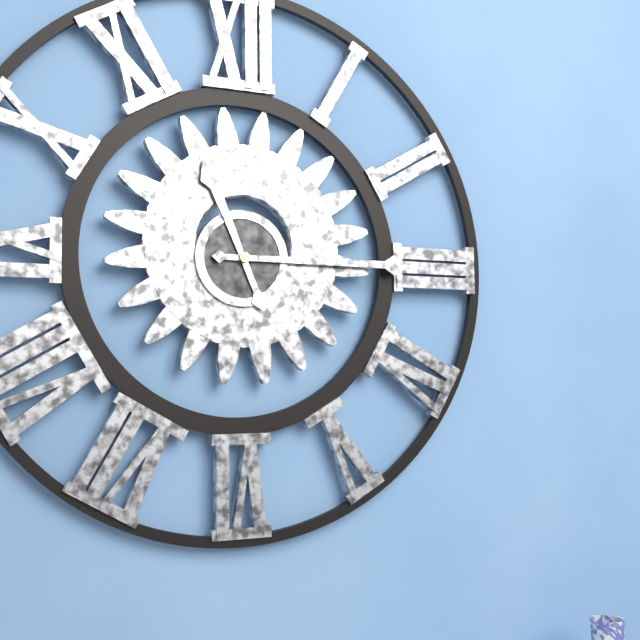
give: {"hour": 11, "minute": 15}
